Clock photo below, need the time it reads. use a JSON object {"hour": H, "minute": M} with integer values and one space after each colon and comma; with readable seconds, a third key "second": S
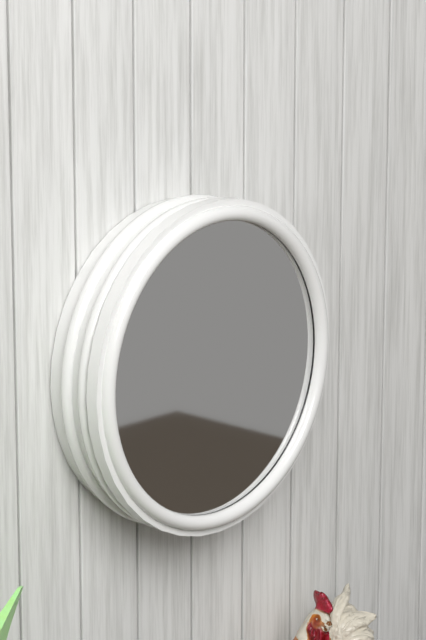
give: {"hour": 3, "minute": 48, "second": 8}
